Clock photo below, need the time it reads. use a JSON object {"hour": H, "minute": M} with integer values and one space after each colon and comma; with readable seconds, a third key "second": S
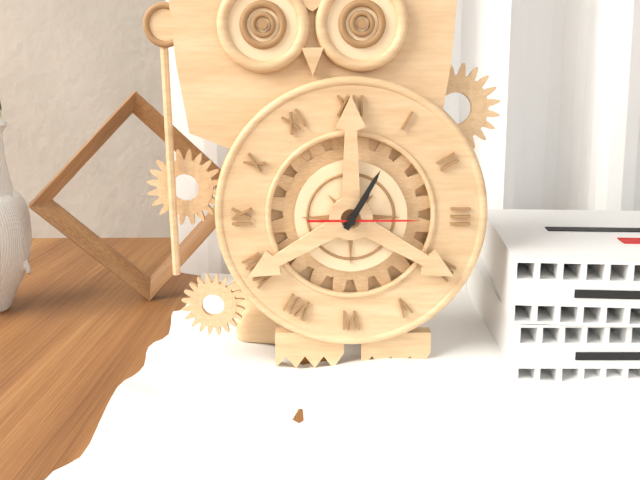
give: {"hour": 1, "minute": 5, "second": 15}
